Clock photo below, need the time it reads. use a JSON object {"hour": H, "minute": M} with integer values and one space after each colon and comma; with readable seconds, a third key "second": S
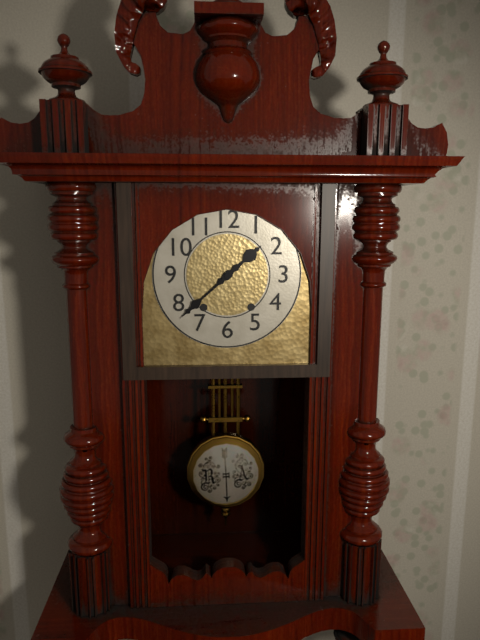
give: {"hour": 1, "minute": 38}
